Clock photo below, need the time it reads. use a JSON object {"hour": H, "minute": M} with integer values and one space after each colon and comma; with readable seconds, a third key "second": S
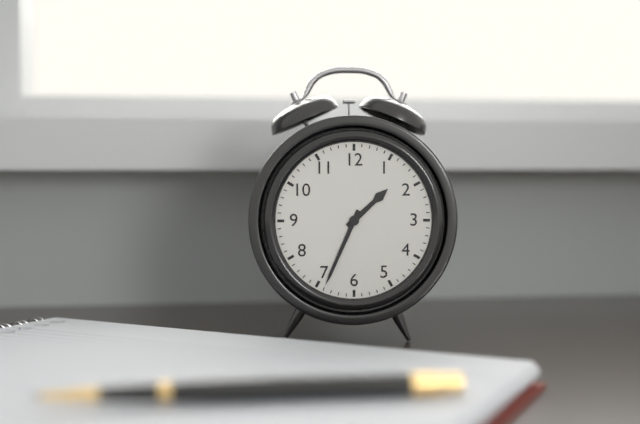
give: {"hour": 1, "minute": 34}
